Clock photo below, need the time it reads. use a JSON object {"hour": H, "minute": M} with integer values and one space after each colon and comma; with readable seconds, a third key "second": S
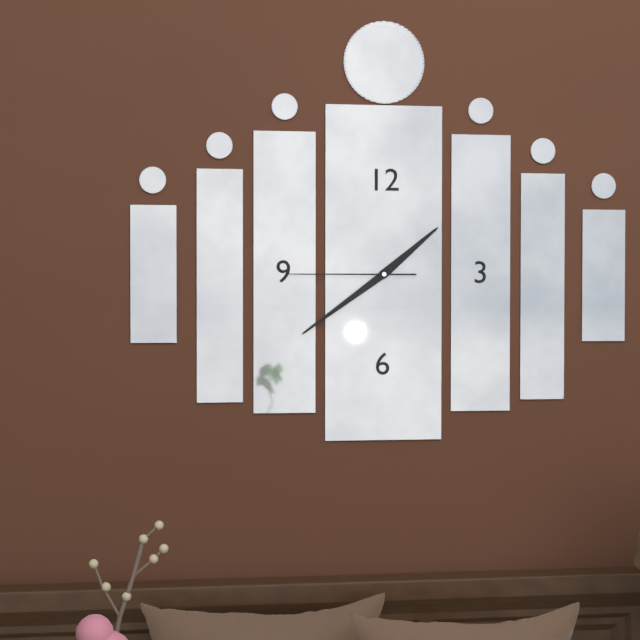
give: {"hour": 1, "minute": 39, "second": 45}
